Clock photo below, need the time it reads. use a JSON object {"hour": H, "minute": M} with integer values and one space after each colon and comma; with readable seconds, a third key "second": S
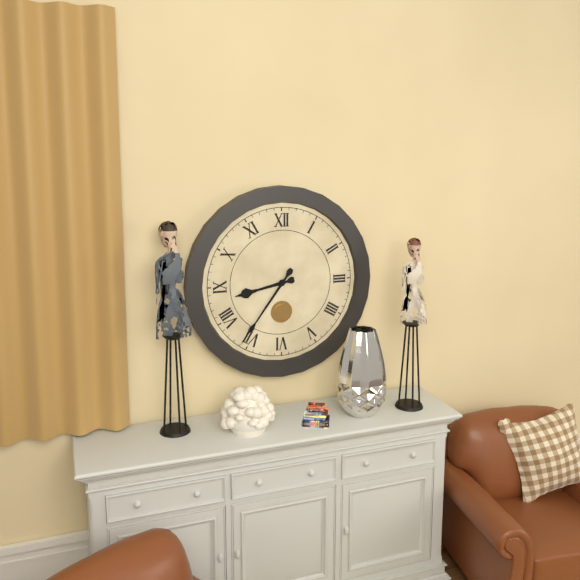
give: {"hour": 8, "minute": 36}
